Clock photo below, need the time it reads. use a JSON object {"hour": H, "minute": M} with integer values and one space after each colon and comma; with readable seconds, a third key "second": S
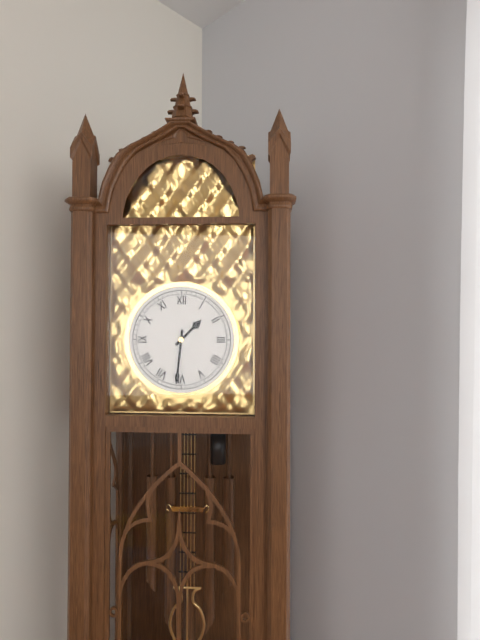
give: {"hour": 1, "minute": 31}
